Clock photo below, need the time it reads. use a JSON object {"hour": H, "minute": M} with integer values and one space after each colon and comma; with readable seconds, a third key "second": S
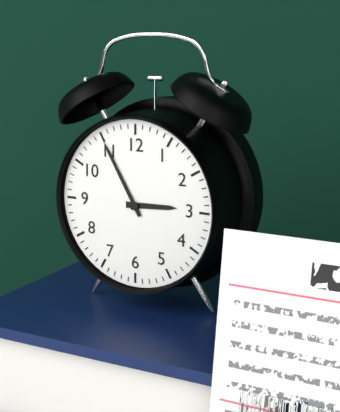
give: {"hour": 2, "minute": 55}
